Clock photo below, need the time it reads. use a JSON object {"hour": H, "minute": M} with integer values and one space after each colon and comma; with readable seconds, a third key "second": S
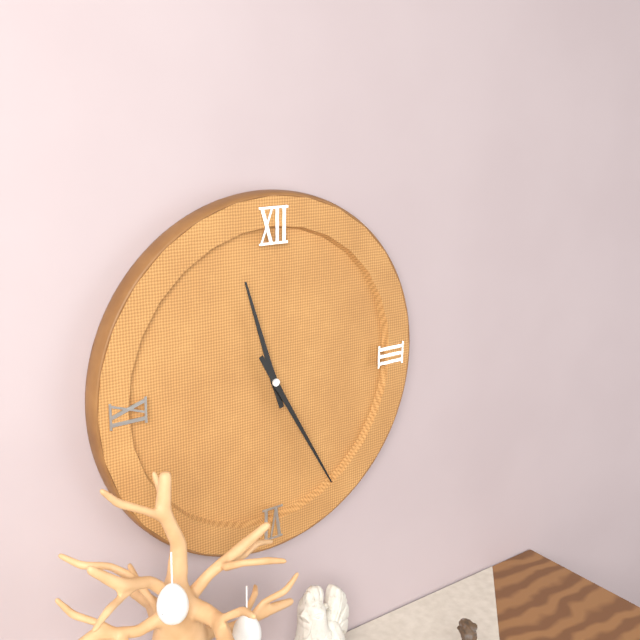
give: {"hour": 11, "minute": 25}
